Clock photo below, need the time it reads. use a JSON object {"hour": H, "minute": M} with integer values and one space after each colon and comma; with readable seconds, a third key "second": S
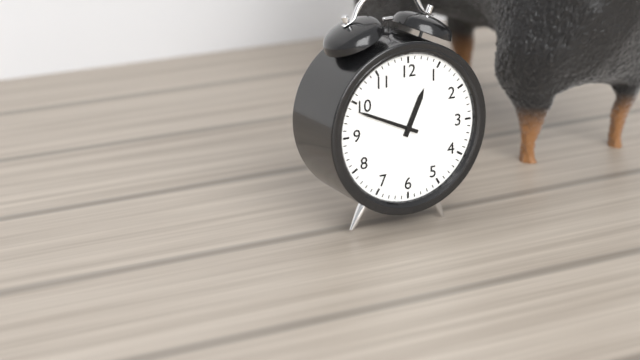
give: {"hour": 12, "minute": 49}
